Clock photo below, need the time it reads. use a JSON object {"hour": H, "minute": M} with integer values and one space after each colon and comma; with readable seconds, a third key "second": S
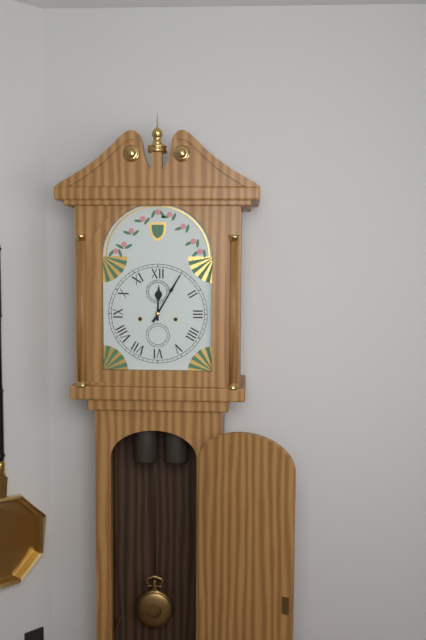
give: {"hour": 12, "minute": 5}
